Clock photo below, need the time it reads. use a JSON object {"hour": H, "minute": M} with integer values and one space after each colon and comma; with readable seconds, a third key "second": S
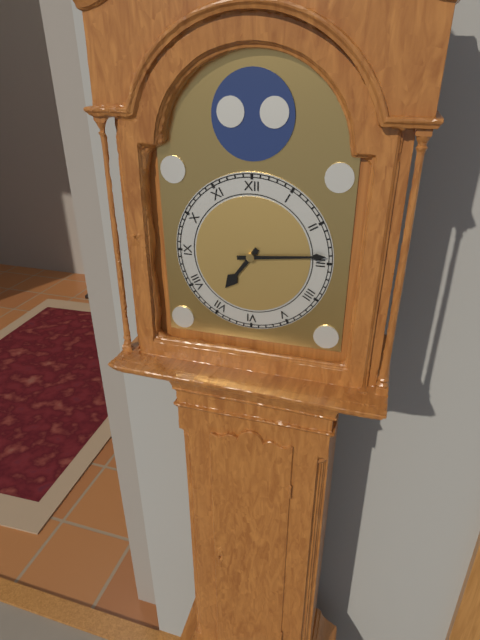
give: {"hour": 7, "minute": 14}
